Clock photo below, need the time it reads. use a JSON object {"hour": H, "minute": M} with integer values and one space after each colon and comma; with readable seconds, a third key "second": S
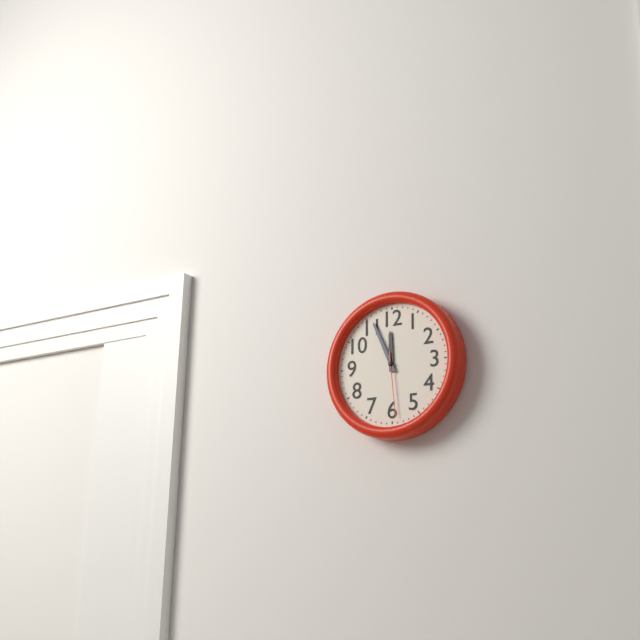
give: {"hour": 11, "minute": 56, "second": 29}
